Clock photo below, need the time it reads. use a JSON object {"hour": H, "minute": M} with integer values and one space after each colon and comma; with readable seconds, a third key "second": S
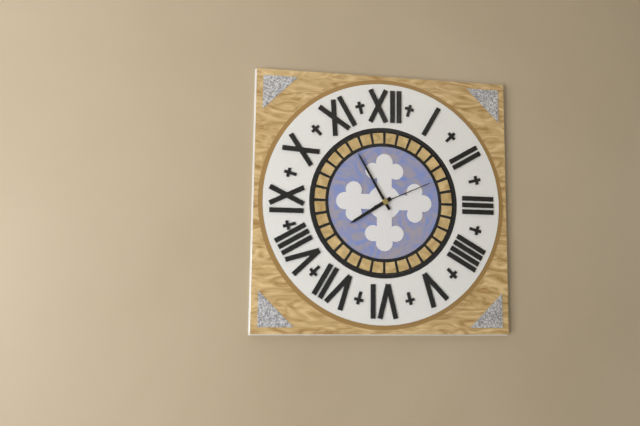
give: {"hour": 7, "minute": 55, "second": 11}
